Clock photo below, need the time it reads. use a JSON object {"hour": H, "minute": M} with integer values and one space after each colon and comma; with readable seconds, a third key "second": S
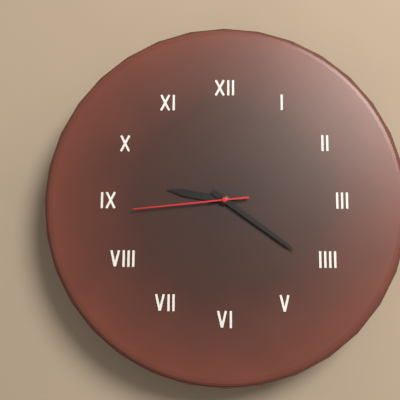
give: {"hour": 9, "minute": 21, "second": 44}
